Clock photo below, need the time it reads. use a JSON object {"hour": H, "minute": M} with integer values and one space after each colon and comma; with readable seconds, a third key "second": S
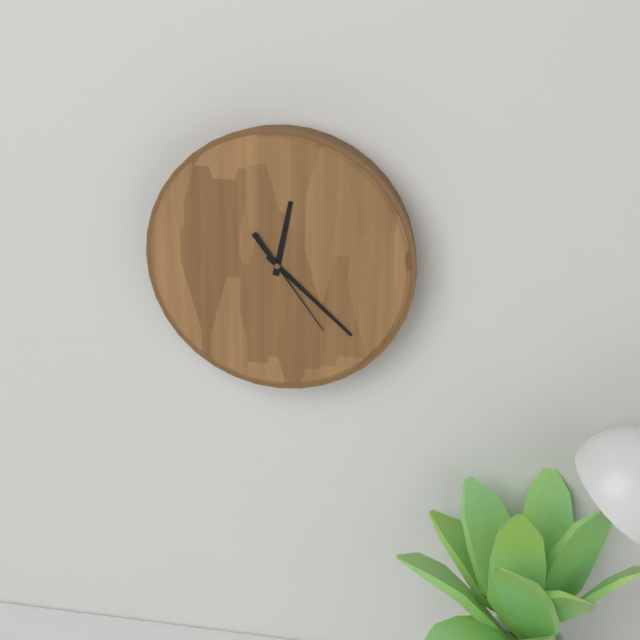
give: {"hour": 12, "minute": 22, "second": 24}
